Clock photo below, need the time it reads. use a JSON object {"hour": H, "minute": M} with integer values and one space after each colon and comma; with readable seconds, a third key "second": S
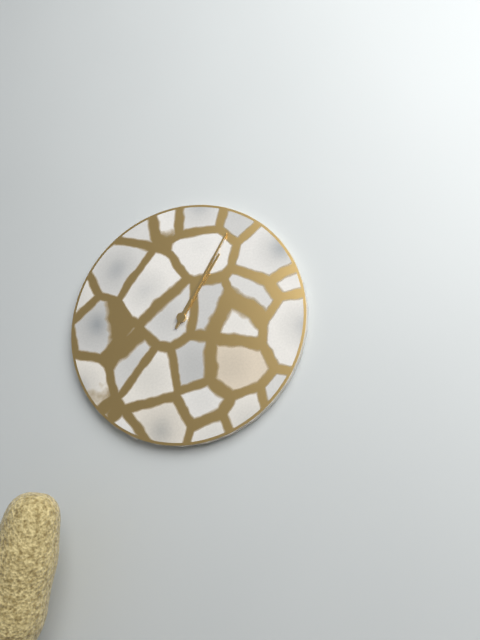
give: {"hour": 1, "minute": 5}
